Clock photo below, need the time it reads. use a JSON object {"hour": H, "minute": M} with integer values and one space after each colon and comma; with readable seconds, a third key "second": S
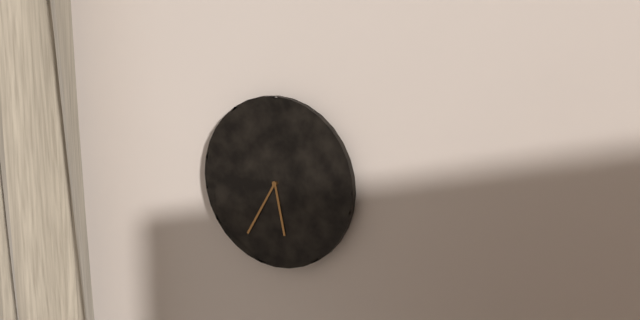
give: {"hour": 5, "minute": 35}
